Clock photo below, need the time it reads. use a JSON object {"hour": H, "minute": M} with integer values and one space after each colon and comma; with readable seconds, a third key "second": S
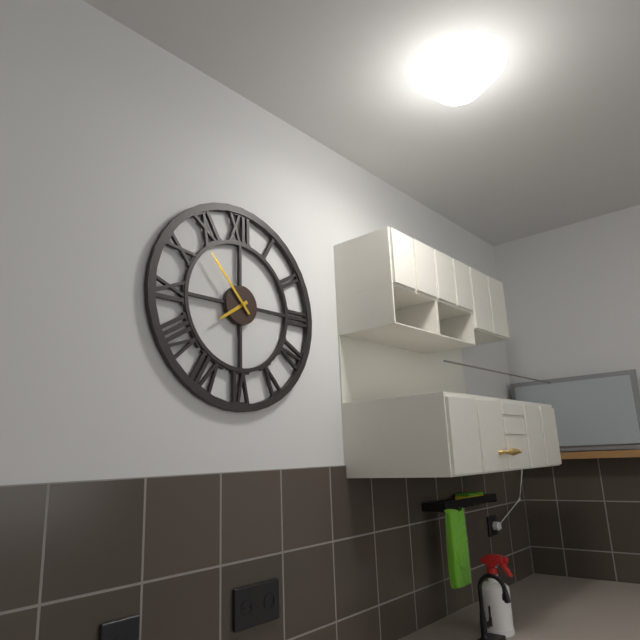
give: {"hour": 7, "minute": 53}
